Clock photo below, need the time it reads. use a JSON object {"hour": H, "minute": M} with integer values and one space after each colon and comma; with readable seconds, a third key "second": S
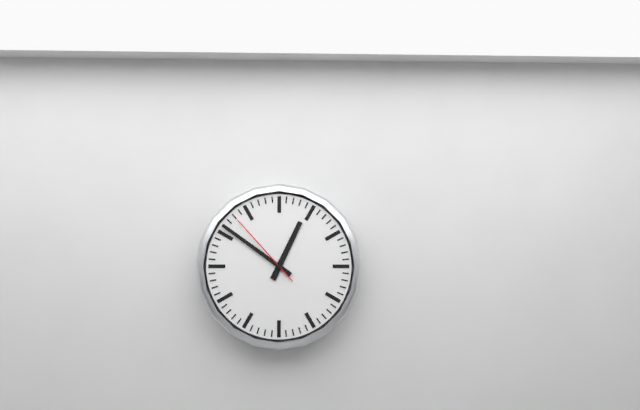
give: {"hour": 12, "minute": 51, "second": 53}
